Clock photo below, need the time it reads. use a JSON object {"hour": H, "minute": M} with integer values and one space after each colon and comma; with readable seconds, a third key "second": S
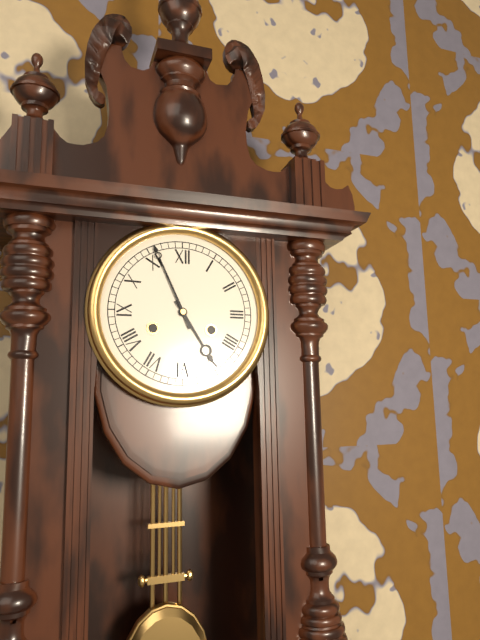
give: {"hour": 4, "minute": 56}
